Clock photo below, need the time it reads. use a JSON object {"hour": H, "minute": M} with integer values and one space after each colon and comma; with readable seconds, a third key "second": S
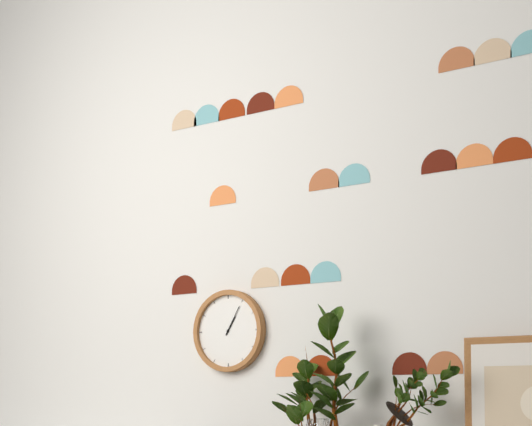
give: {"hour": 1, "minute": 5}
